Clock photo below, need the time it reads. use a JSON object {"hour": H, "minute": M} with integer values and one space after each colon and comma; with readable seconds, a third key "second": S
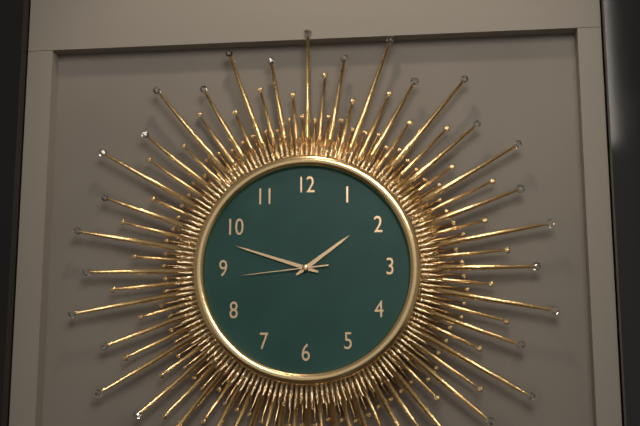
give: {"hour": 1, "minute": 48, "second": 44}
